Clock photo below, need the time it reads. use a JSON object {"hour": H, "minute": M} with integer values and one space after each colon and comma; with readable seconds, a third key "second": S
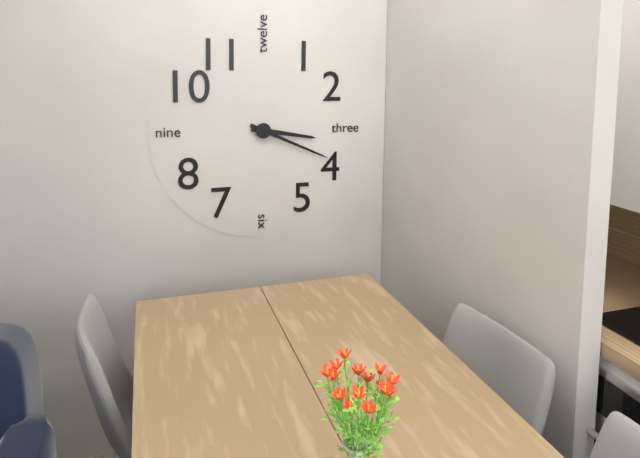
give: {"hour": 3, "minute": 19}
